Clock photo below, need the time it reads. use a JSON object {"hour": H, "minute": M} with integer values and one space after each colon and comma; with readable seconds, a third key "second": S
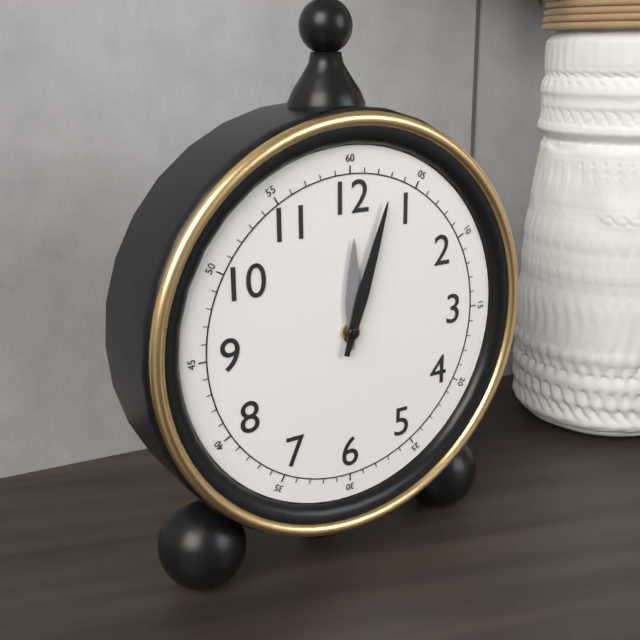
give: {"hour": 12, "minute": 3}
